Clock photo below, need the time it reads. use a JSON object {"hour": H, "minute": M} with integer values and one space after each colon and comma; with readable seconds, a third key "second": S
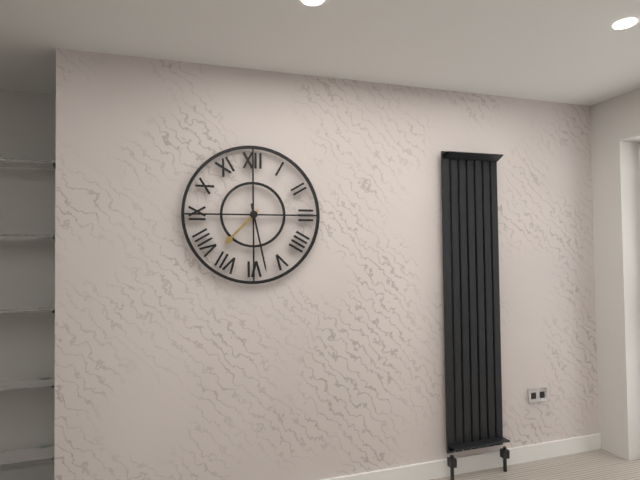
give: {"hour": 7, "minute": 28}
